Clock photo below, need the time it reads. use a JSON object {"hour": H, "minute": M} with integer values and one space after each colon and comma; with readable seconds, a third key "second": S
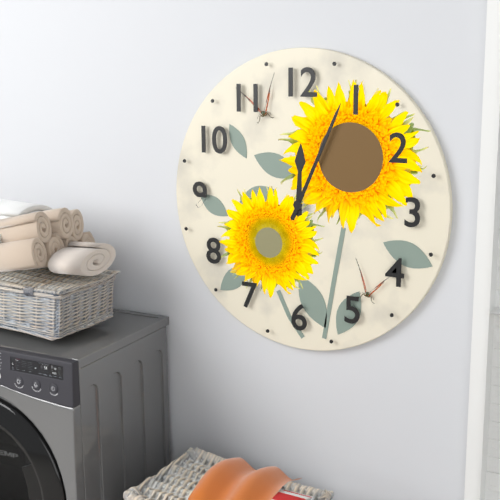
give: {"hour": 12, "minute": 4}
